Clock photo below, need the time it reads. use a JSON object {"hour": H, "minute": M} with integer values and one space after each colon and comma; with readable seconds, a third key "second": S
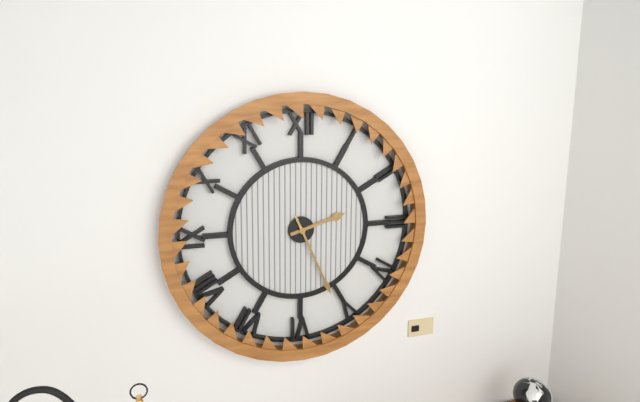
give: {"hour": 2, "minute": 26}
